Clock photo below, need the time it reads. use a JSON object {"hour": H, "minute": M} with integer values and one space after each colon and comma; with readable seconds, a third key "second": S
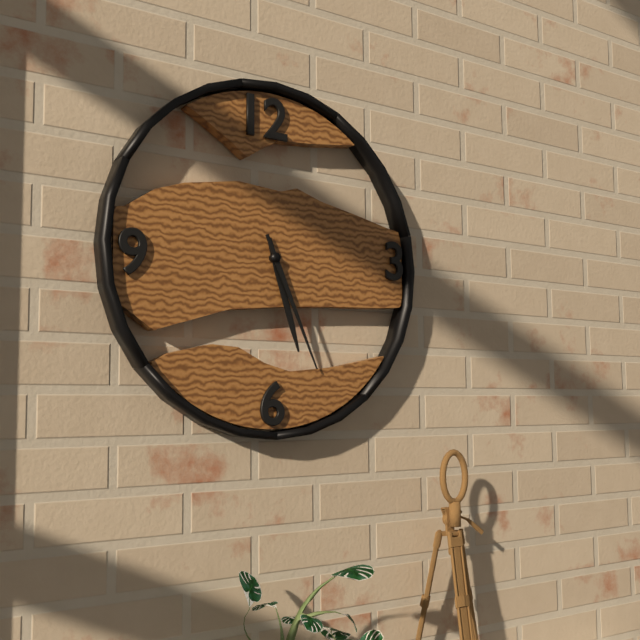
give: {"hour": 5, "minute": 26}
